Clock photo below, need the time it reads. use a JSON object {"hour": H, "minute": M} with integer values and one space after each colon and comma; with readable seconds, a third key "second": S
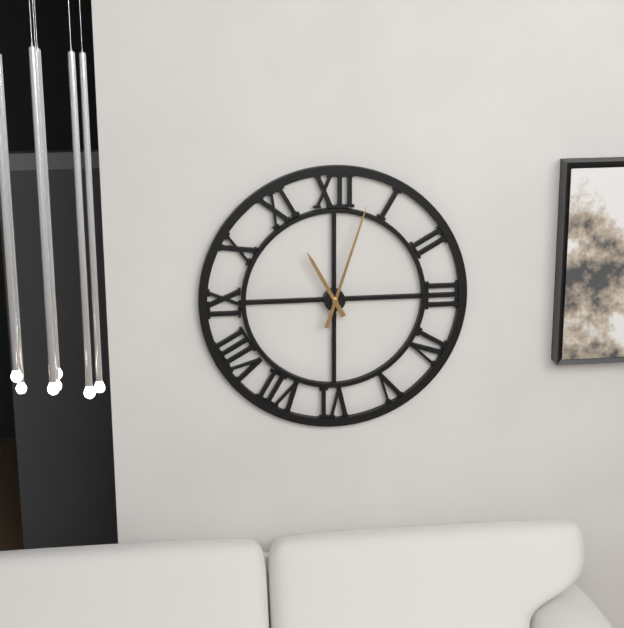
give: {"hour": 11, "minute": 3}
